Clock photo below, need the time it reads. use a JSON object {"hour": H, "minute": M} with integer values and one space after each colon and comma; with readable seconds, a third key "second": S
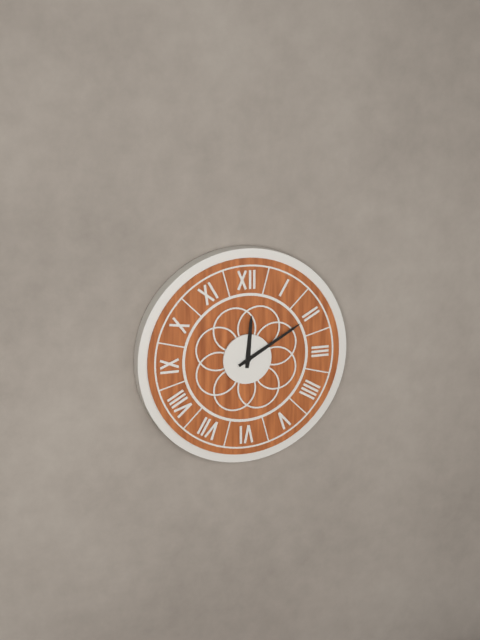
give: {"hour": 12, "minute": 10}
